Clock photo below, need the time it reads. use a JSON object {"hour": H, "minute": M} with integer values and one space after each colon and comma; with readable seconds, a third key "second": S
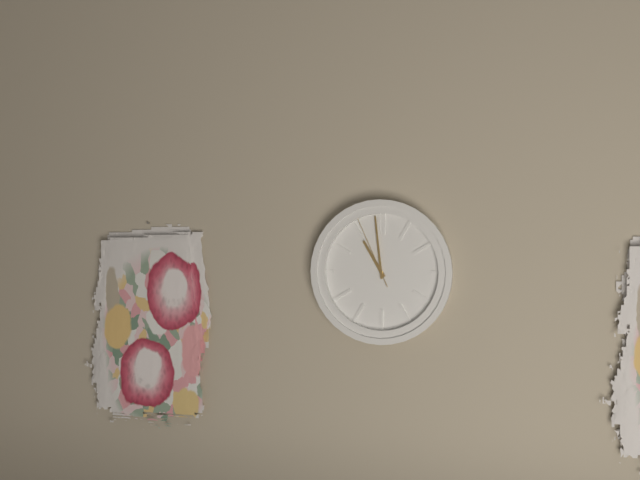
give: {"hour": 10, "minute": 59, "second": 56}
